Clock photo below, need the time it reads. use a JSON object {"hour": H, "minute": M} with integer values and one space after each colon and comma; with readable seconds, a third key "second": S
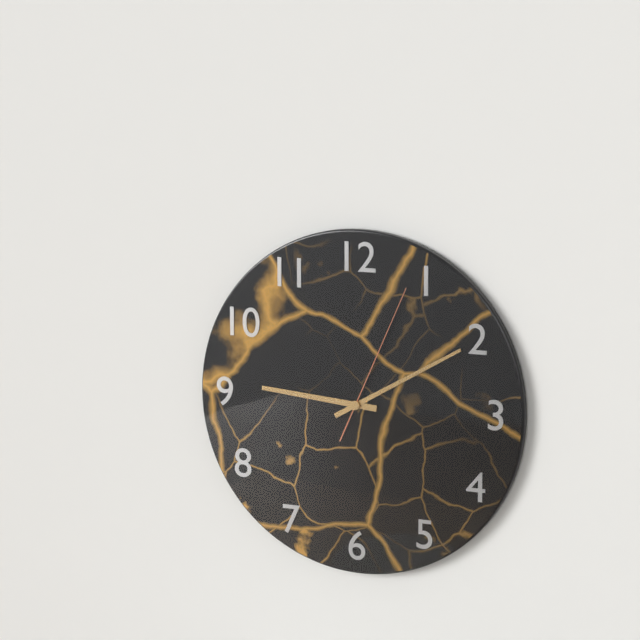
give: {"hour": 9, "minute": 10, "second": 4}
